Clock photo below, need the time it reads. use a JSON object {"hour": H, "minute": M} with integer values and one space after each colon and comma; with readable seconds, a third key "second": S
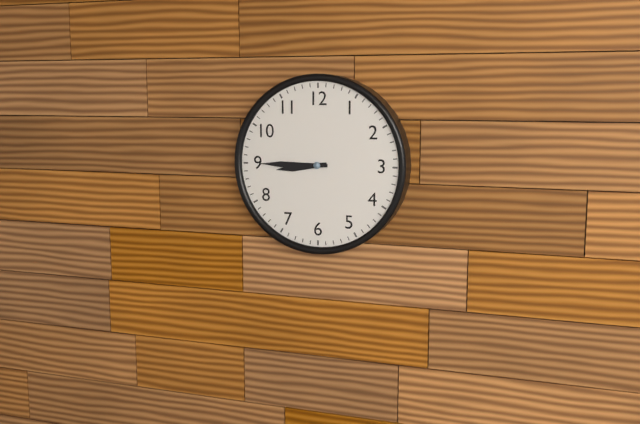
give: {"hour": 8, "minute": 45}
